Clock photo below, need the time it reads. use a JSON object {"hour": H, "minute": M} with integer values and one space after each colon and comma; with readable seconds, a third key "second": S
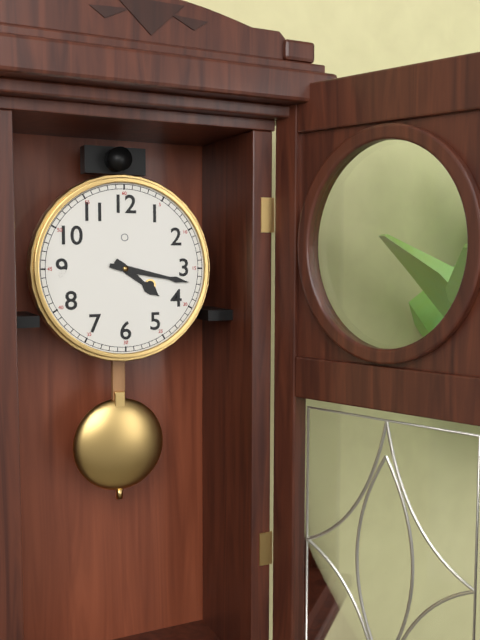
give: {"hour": 4, "minute": 17}
